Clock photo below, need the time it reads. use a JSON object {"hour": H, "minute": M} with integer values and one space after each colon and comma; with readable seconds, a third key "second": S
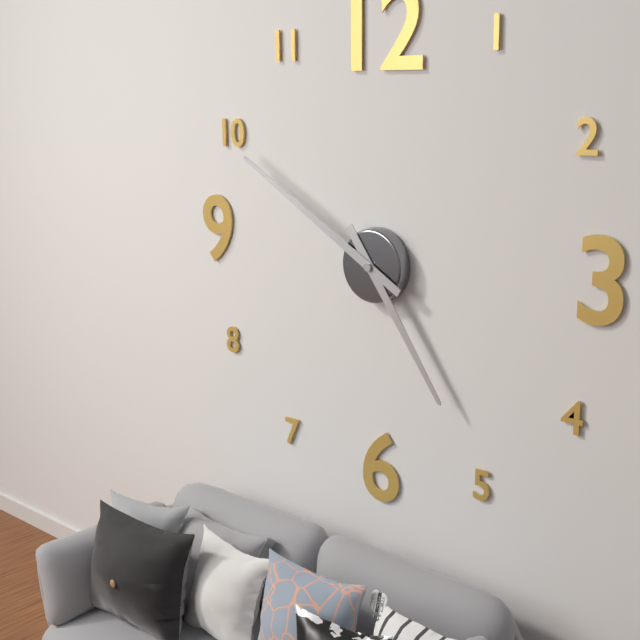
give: {"hour": 4, "minute": 50}
